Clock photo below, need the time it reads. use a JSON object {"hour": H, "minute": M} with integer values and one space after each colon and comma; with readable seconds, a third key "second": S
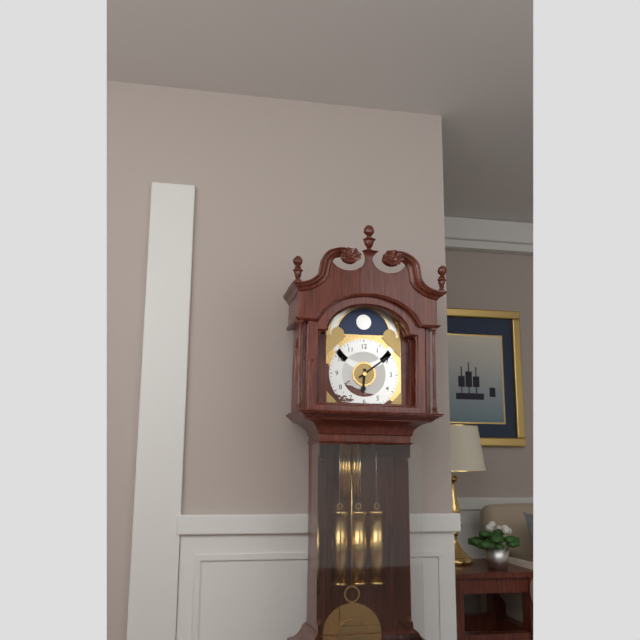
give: {"hour": 6, "minute": 9}
